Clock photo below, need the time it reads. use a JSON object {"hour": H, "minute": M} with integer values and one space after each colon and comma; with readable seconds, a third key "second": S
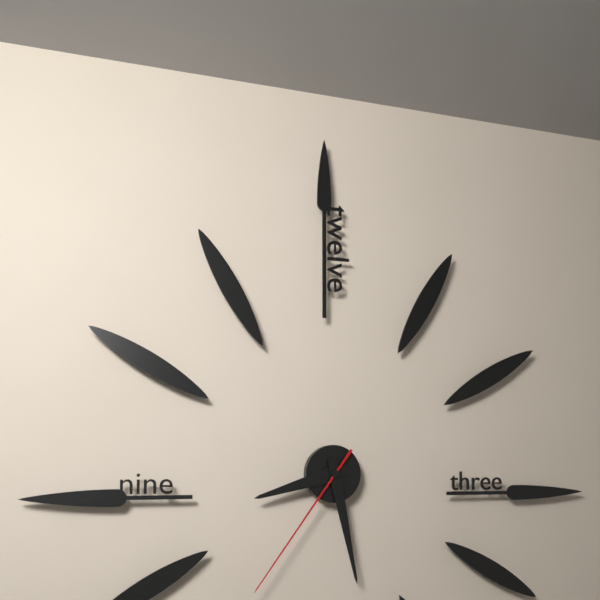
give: {"hour": 8, "minute": 28, "second": 36}
